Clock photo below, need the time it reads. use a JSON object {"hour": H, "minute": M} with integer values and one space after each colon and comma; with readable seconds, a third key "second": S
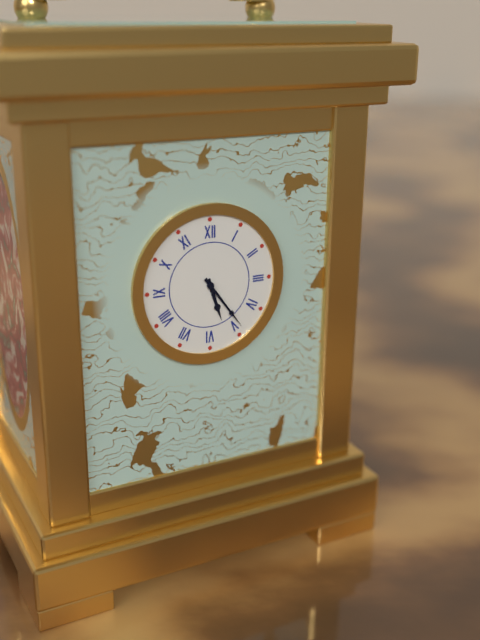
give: {"hour": 5, "minute": 24}
